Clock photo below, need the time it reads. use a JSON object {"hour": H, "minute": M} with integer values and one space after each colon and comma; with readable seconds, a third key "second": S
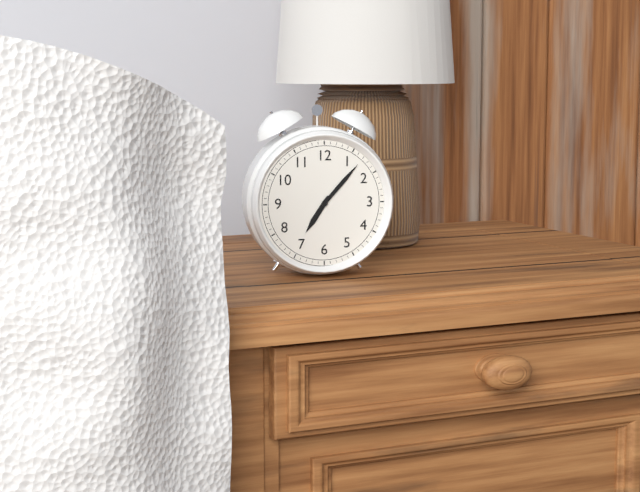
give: {"hour": 7, "minute": 7}
